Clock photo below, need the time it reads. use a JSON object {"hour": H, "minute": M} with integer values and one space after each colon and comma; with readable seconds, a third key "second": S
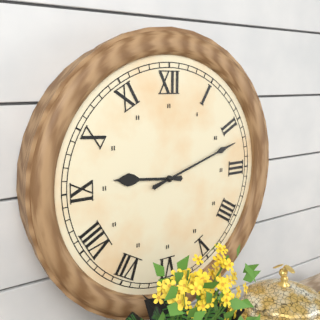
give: {"hour": 9, "minute": 12}
